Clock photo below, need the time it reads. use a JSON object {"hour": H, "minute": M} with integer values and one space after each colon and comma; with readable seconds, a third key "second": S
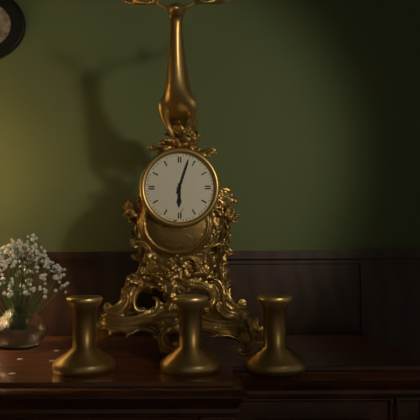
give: {"hour": 6, "minute": 3}
